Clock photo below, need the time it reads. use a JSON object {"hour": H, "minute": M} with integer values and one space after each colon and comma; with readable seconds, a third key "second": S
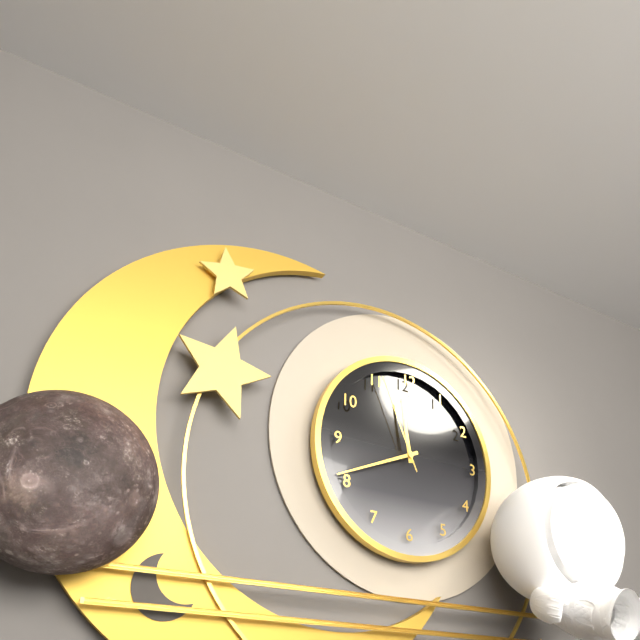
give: {"hour": 11, "minute": 41, "second": 56}
